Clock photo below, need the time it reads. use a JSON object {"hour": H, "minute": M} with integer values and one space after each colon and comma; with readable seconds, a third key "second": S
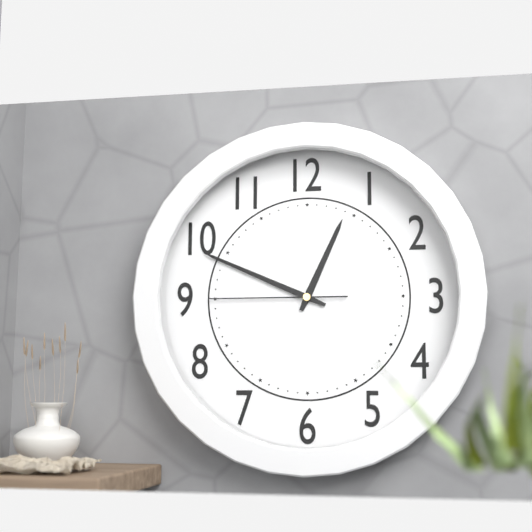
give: {"hour": 12, "minute": 49, "second": 45}
